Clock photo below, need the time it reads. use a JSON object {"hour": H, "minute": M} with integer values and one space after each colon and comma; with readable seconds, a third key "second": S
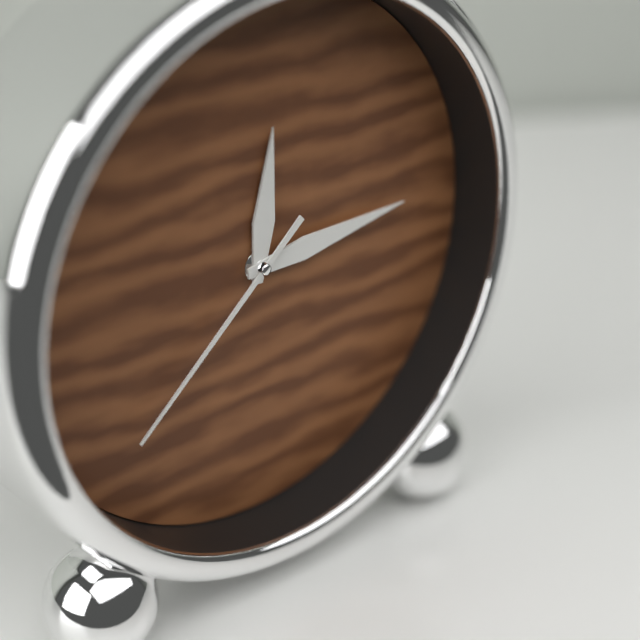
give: {"hour": 12, "minute": 14, "second": 38}
